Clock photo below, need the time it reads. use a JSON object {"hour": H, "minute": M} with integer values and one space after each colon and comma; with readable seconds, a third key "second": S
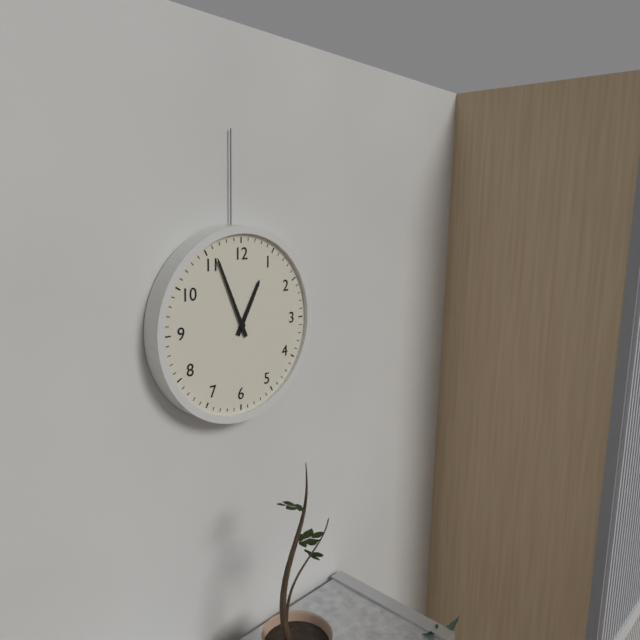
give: {"hour": 12, "minute": 56}
